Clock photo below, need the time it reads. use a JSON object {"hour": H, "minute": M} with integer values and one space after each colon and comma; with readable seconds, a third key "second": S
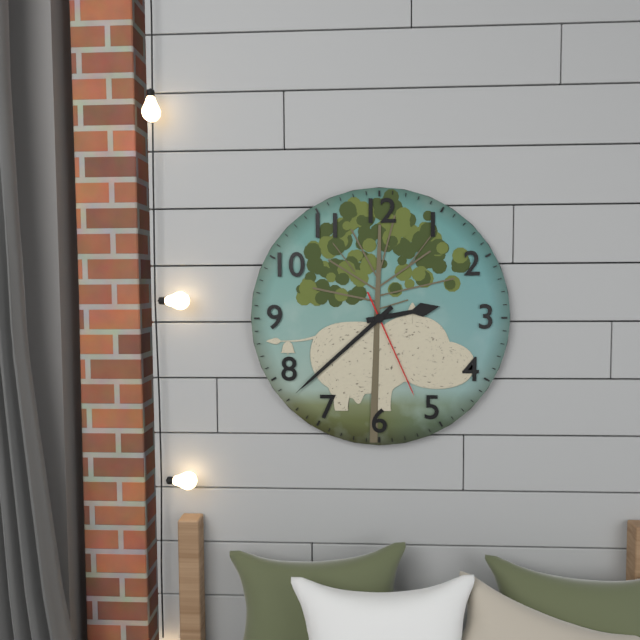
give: {"hour": 2, "minute": 38, "second": 26}
